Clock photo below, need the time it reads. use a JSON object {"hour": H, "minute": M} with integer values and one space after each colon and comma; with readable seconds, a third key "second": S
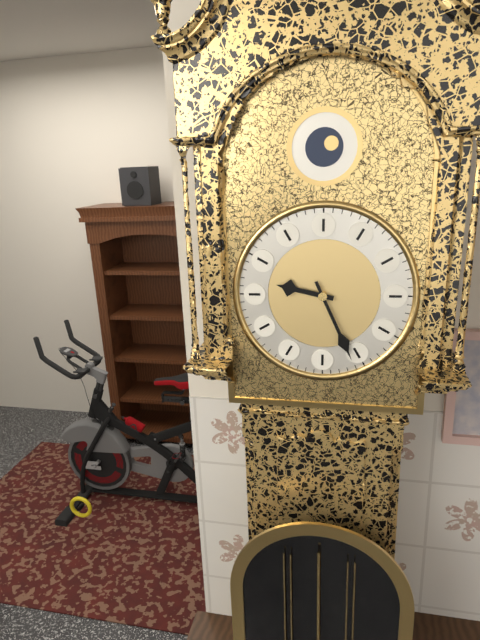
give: {"hour": 9, "minute": 26}
